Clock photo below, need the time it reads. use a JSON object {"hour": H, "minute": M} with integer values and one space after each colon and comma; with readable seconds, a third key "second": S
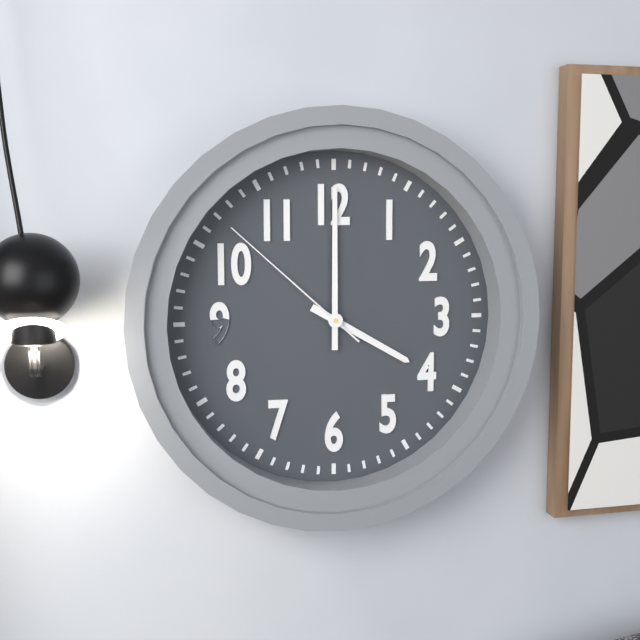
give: {"hour": 4, "minute": 0, "second": 52}
